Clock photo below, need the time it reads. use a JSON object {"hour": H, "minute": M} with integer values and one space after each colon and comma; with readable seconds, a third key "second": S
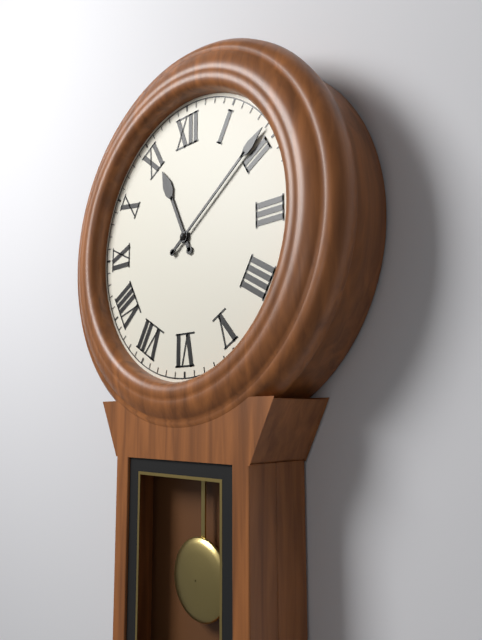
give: {"hour": 11, "minute": 9}
